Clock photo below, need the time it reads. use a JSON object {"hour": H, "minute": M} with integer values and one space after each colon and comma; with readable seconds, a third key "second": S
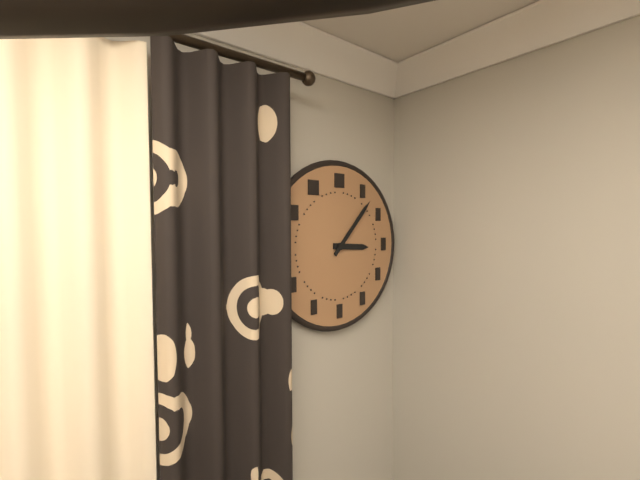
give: {"hour": 3, "minute": 7}
